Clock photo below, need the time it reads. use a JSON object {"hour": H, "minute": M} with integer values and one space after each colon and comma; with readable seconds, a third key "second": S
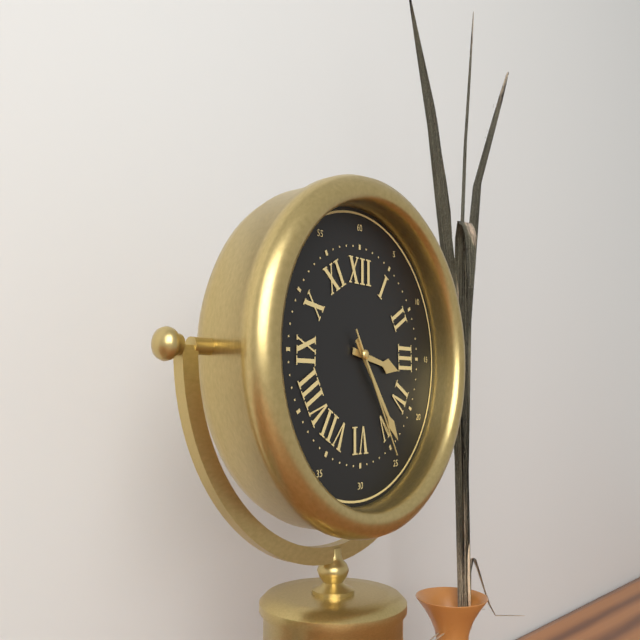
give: {"hour": 3, "minute": 24, "second": 25}
